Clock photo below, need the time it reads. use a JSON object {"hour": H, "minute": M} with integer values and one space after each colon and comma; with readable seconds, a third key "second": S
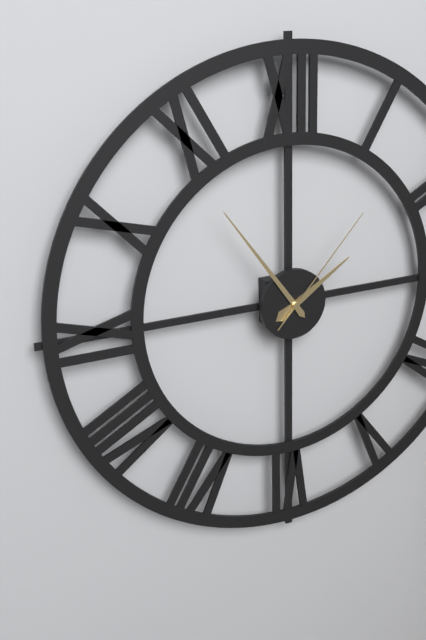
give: {"hour": 1, "minute": 54, "second": 7}
